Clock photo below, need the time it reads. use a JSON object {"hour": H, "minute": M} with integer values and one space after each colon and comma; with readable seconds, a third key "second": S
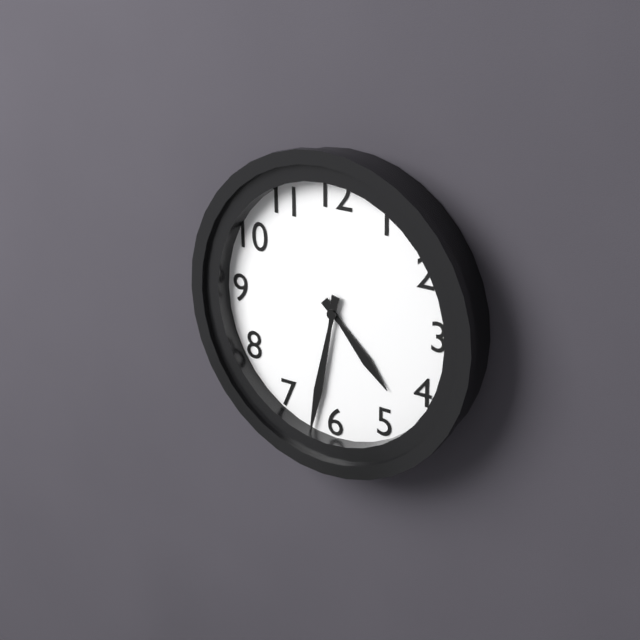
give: {"hour": 4, "minute": 32}
